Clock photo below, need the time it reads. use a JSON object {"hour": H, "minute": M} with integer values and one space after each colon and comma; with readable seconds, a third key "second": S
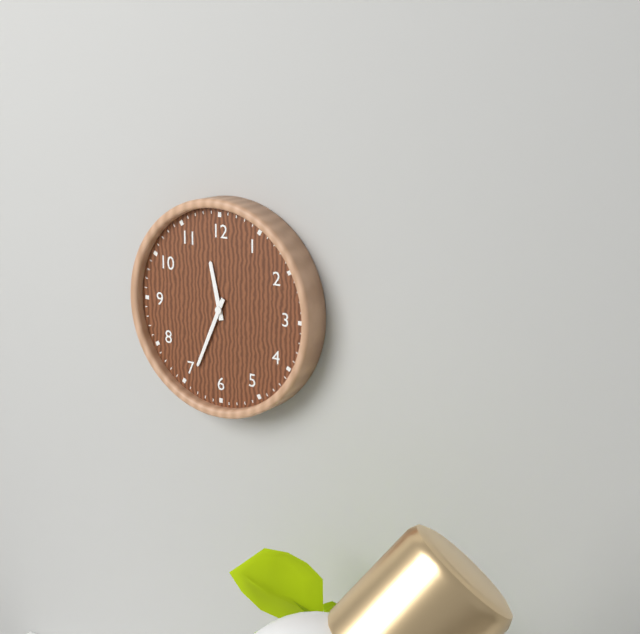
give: {"hour": 11, "minute": 34}
